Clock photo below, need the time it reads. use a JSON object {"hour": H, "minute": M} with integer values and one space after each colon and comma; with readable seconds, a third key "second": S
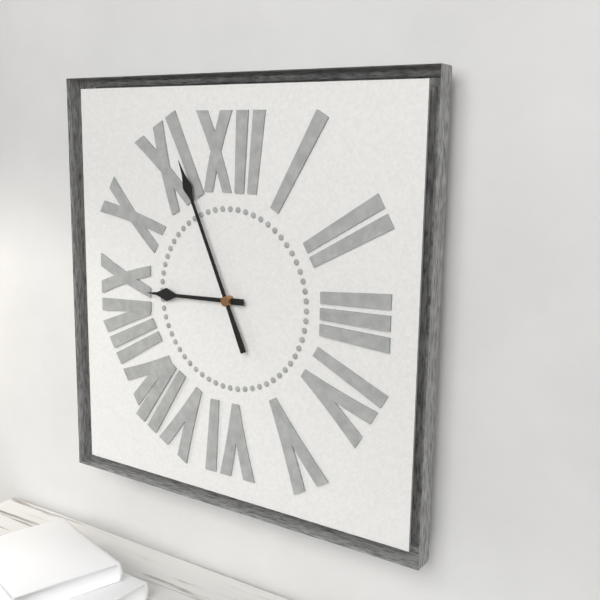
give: {"hour": 8, "minute": 56}
